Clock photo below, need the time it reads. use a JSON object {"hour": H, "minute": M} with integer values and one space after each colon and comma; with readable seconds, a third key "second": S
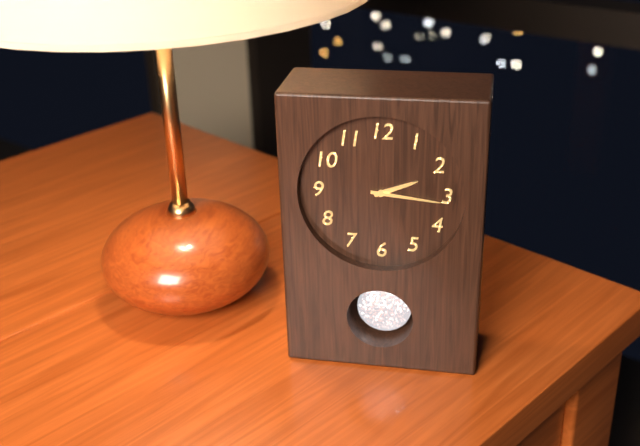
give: {"hour": 2, "minute": 16}
